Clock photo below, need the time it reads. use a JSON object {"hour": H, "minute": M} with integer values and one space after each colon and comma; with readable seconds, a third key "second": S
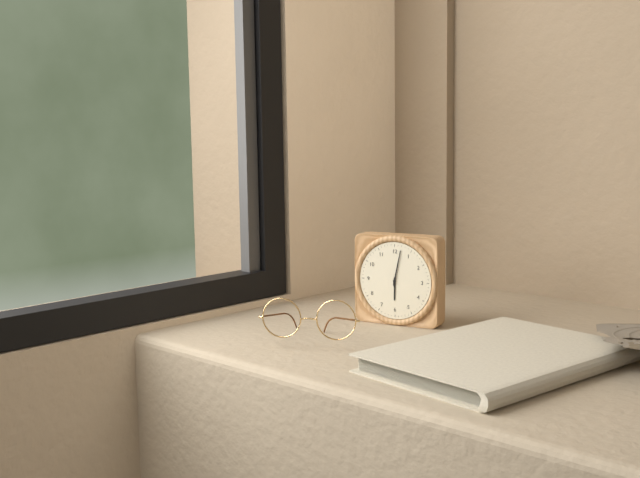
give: {"hour": 6, "minute": 2}
